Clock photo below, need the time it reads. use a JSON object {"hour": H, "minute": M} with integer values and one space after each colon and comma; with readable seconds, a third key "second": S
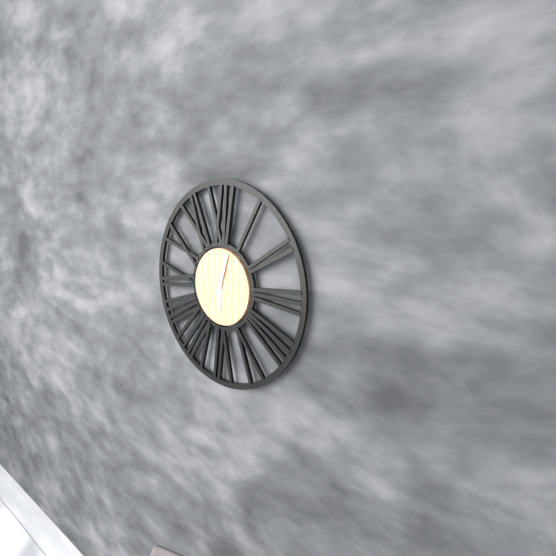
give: {"hour": 6, "minute": 3}
